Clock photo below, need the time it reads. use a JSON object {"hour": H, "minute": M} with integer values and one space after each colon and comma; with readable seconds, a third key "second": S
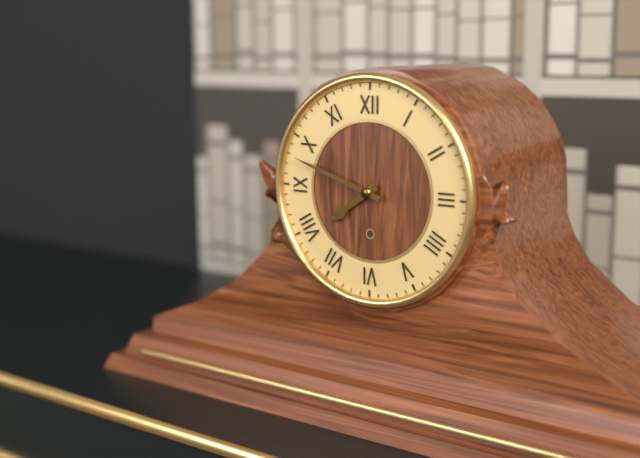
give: {"hour": 7, "minute": 48}
